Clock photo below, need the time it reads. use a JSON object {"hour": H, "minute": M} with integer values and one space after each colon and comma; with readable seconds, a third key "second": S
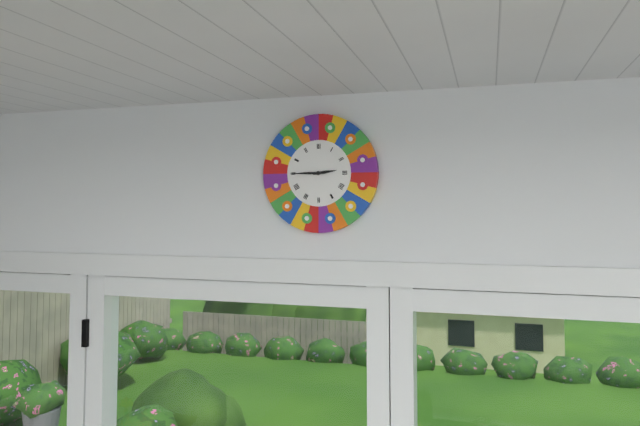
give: {"hour": 2, "minute": 45}
